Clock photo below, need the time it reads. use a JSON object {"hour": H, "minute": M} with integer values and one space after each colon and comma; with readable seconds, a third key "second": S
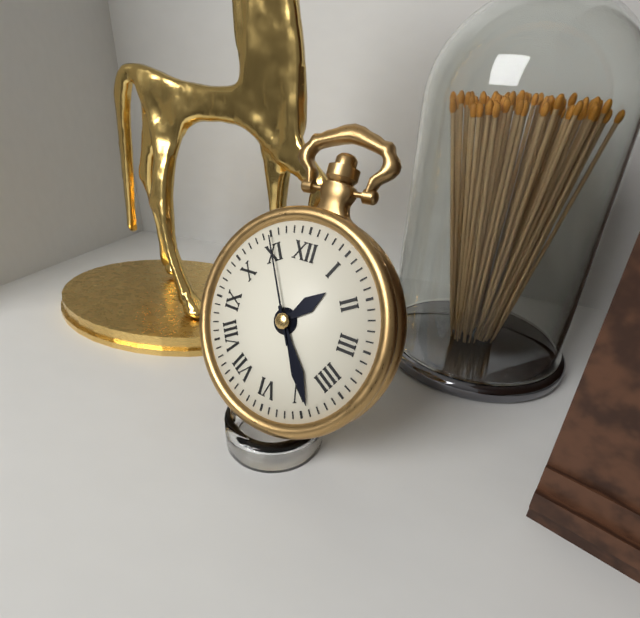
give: {"hour": 1, "minute": 24, "second": 55}
